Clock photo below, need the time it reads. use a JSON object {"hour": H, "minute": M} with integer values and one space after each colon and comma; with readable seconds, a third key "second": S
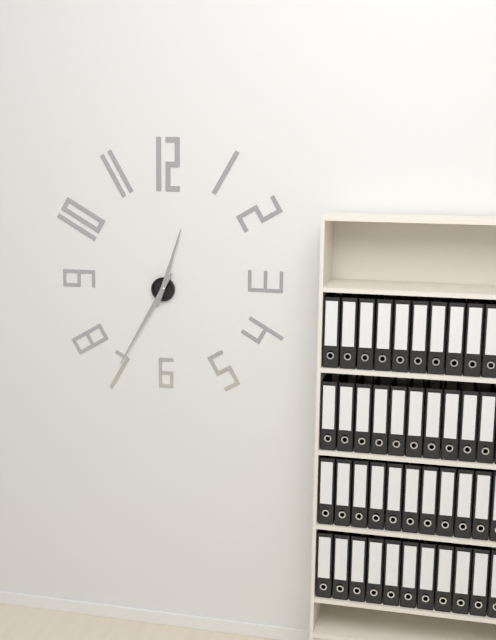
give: {"hour": 12, "minute": 35}
